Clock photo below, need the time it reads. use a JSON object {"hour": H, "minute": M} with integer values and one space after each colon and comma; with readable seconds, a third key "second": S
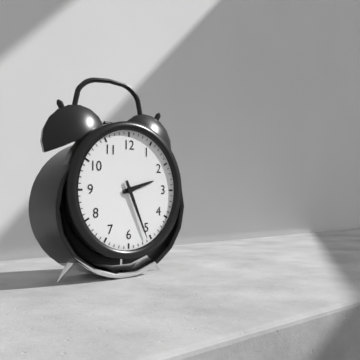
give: {"hour": 2, "minute": 26}
